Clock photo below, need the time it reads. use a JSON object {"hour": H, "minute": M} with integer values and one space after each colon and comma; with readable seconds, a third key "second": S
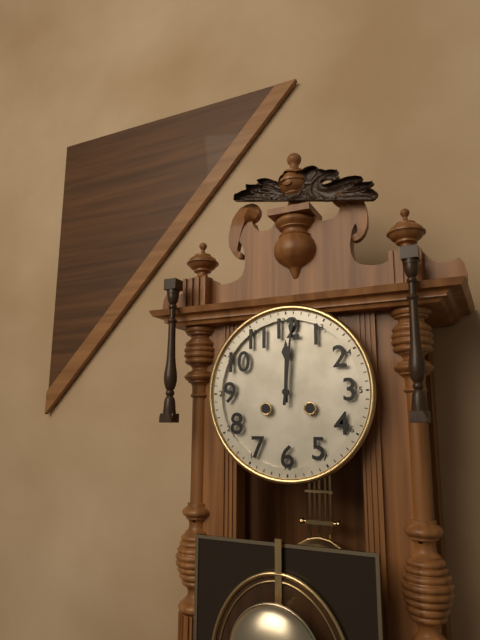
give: {"hour": 12, "minute": 1}
